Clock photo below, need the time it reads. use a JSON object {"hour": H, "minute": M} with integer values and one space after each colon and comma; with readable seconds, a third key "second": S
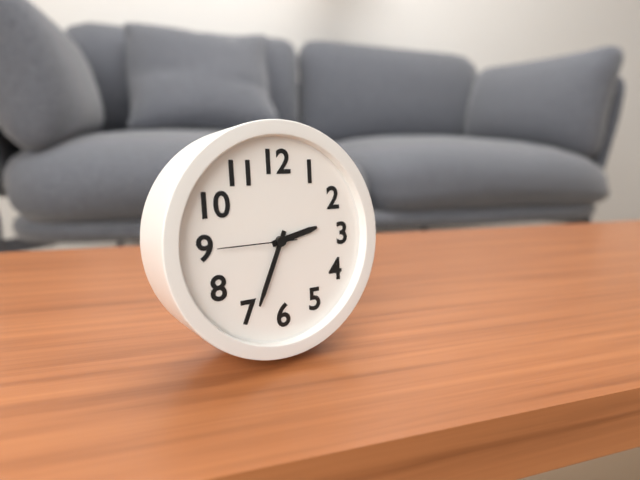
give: {"hour": 2, "minute": 34, "second": 45}
